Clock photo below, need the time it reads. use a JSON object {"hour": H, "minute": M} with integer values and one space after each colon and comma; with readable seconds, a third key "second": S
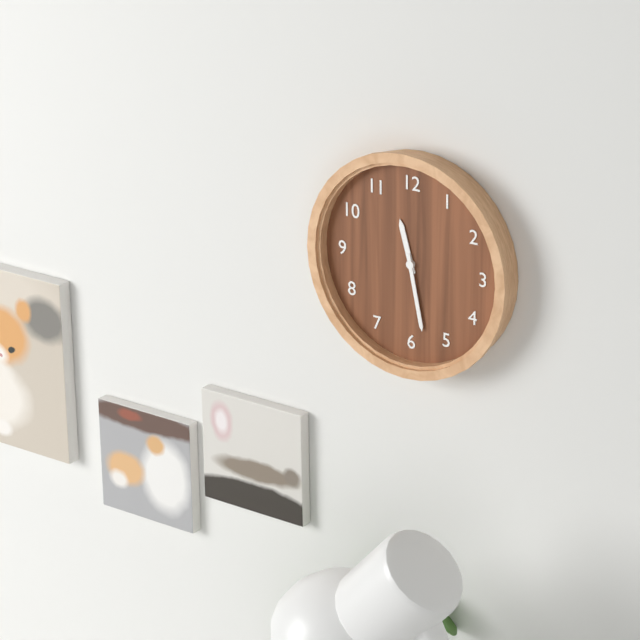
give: {"hour": 11, "minute": 28}
